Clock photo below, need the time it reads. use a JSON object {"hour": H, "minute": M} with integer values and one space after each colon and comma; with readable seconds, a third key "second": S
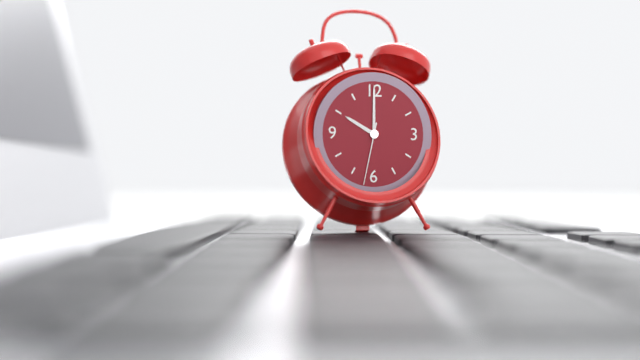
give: {"hour": 10, "minute": 0, "second": 32}
